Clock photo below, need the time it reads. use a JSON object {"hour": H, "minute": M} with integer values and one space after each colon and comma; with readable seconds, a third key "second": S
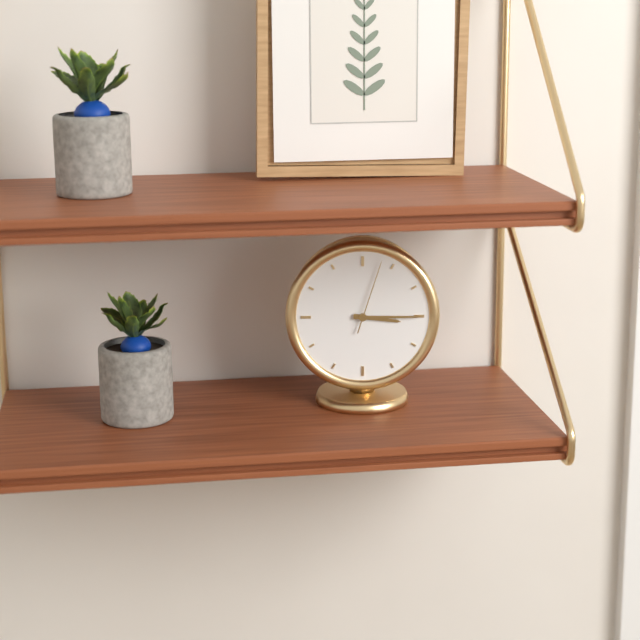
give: {"hour": 3, "minute": 15, "second": 3}
